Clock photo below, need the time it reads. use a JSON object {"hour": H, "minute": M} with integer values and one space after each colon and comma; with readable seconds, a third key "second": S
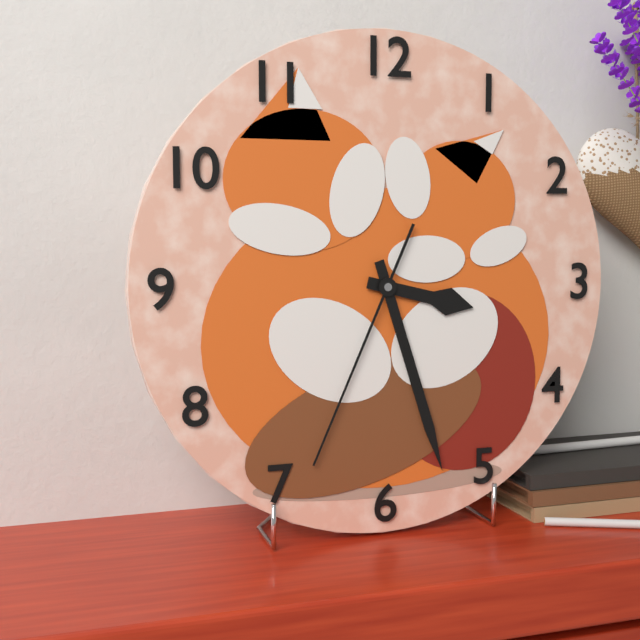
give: {"hour": 3, "minute": 27, "second": 34}
